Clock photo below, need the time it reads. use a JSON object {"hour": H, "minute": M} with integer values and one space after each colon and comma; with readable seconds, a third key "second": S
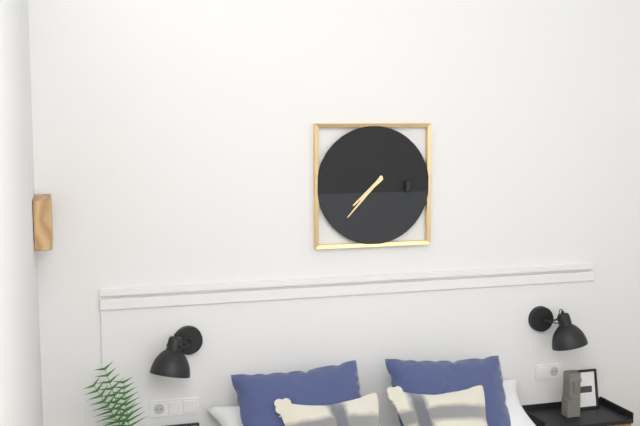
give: {"hour": 7, "minute": 37}
